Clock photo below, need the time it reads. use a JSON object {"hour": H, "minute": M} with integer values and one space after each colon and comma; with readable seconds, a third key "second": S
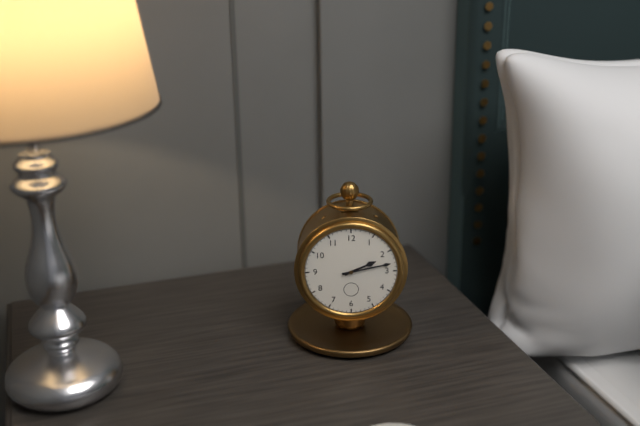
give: {"hour": 2, "minute": 13}
